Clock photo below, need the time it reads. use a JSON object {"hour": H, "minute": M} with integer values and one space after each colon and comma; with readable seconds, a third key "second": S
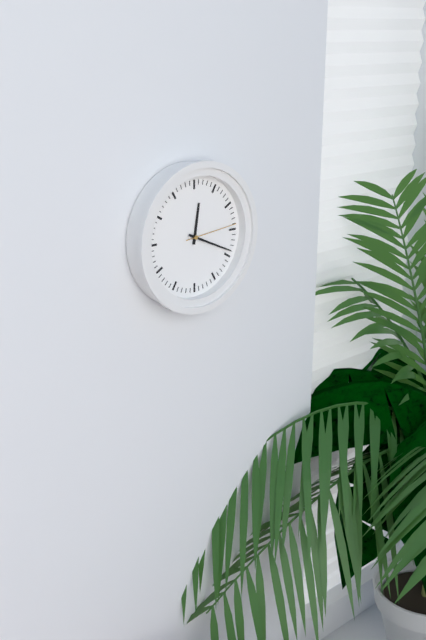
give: {"hour": 12, "minute": 19, "second": 14}
